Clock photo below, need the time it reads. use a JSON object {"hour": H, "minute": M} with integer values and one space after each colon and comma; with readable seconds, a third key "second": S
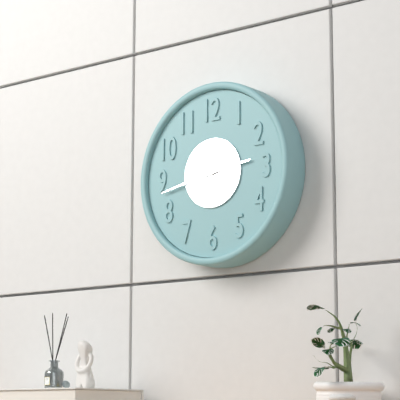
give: {"hour": 2, "minute": 43}
